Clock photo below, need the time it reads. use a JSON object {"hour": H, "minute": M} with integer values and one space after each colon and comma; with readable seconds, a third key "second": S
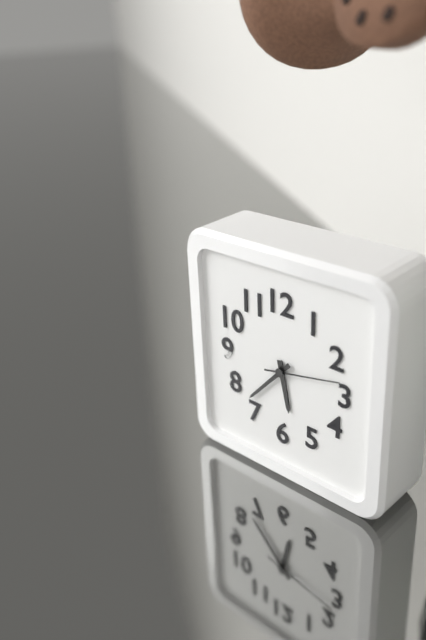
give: {"hour": 5, "minute": 37, "second": 13}
